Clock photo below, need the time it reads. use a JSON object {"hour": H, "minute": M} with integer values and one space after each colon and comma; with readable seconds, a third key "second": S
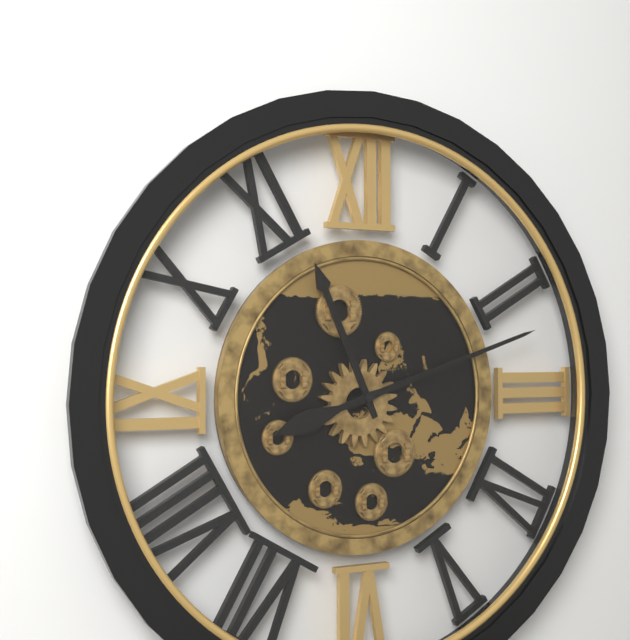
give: {"hour": 11, "minute": 12}
